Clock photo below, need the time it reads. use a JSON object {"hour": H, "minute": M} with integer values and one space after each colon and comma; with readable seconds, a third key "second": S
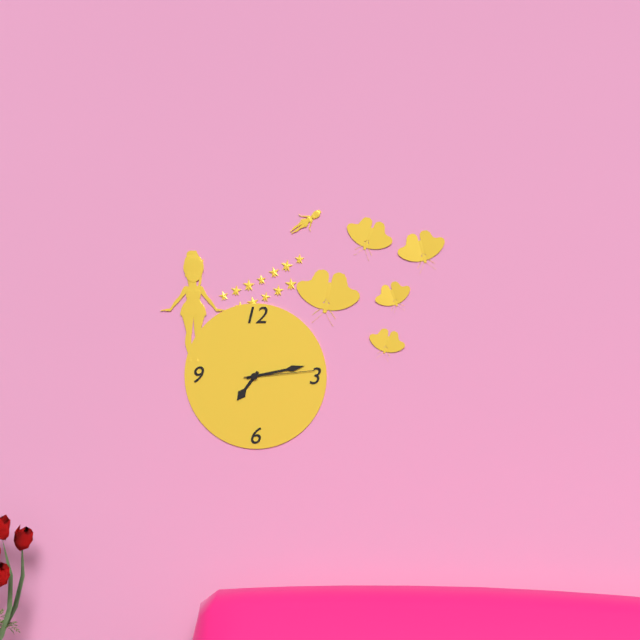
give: {"hour": 7, "minute": 13, "second": 14}
